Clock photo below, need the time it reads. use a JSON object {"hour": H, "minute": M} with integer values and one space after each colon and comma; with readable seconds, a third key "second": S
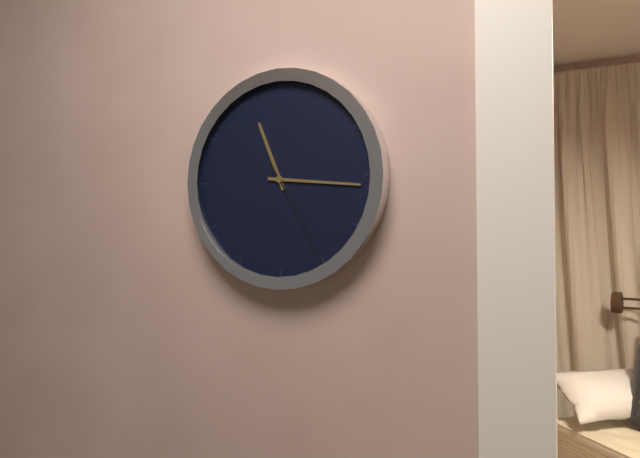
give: {"hour": 11, "minute": 16, "second": 25}
